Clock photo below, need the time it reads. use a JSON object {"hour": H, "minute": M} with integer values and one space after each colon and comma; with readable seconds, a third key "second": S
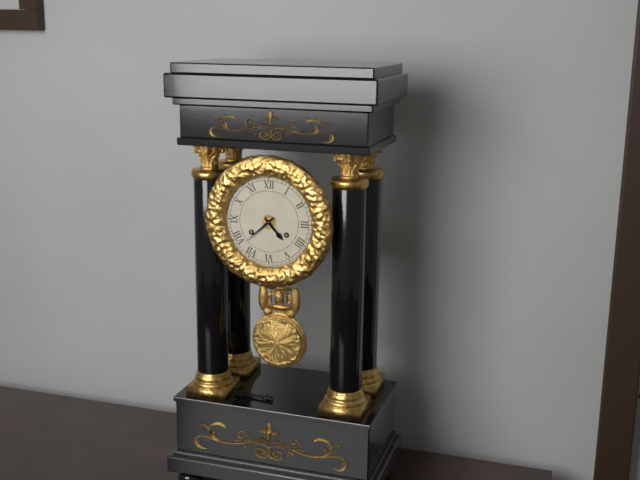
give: {"hour": 4, "minute": 38}
